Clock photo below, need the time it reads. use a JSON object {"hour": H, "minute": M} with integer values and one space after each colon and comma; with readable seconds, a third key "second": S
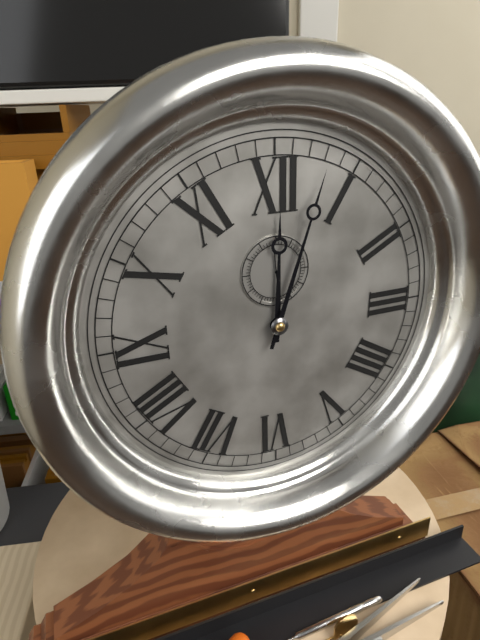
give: {"hour": 12, "minute": 3}
